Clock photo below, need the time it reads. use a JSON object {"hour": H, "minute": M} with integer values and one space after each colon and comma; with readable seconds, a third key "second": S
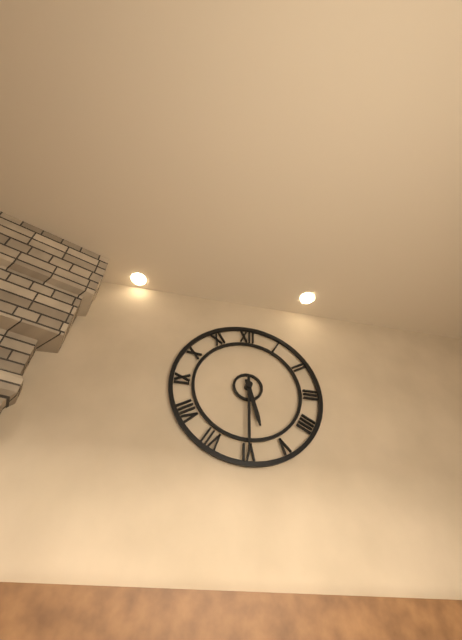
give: {"hour": 5, "minute": 30}
